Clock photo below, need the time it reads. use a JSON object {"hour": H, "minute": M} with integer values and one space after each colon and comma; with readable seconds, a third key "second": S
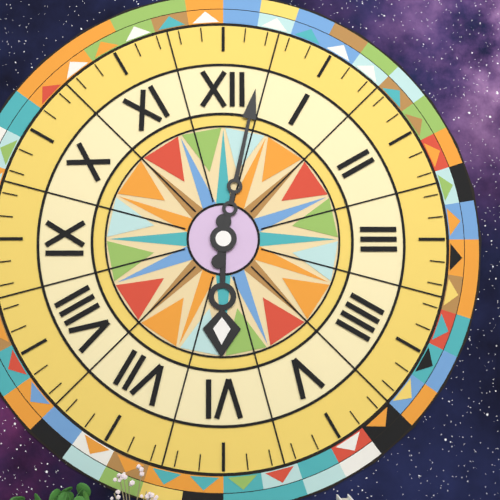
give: {"hour": 6, "minute": 2}
